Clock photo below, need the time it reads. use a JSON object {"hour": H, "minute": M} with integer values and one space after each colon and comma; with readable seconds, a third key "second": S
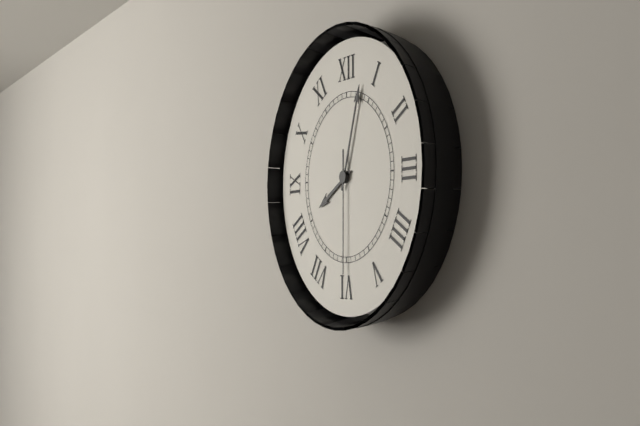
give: {"hour": 8, "minute": 3, "second": 30}
